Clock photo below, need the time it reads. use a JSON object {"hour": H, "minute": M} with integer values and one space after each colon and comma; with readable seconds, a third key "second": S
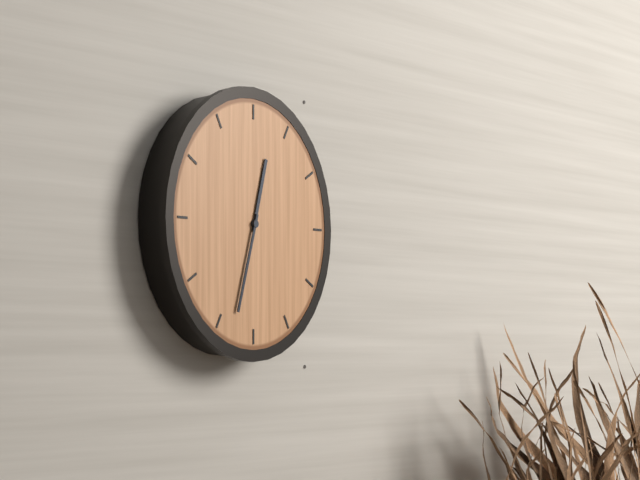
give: {"hour": 12, "minute": 33}
